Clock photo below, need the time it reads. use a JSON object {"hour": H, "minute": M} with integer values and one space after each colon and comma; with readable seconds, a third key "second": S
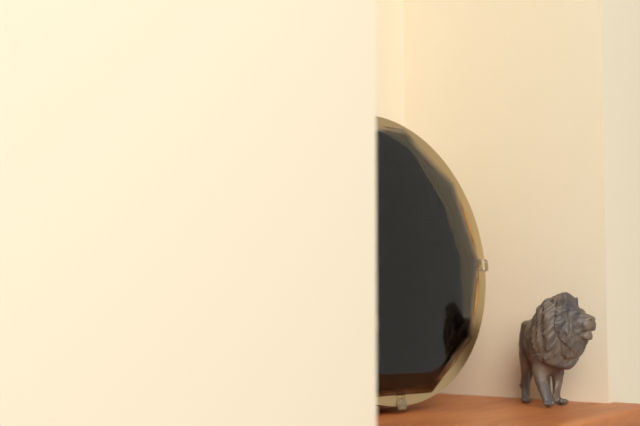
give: {"hour": 2, "minute": 0, "second": 2}
